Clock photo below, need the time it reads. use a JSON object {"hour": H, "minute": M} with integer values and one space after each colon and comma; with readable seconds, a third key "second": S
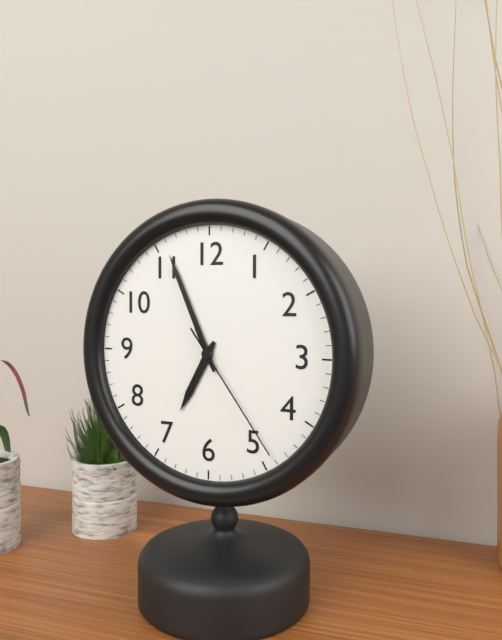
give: {"hour": 6, "minute": 56, "second": 24}
